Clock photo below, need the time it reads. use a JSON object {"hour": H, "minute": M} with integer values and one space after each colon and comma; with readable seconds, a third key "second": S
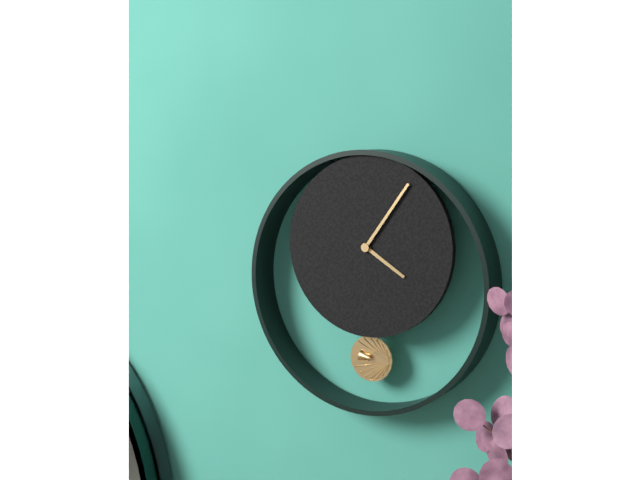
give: {"hour": 4, "minute": 6}
